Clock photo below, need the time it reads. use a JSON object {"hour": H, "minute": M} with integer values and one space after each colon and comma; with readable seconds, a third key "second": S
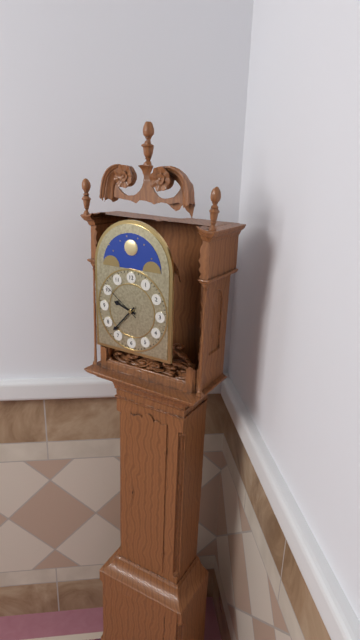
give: {"hour": 9, "minute": 37}
